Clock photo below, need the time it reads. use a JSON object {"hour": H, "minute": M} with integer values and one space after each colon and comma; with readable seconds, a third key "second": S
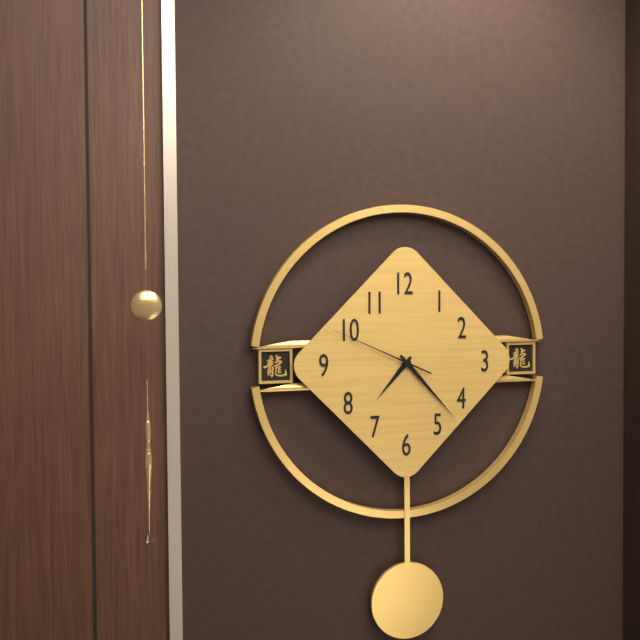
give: {"hour": 7, "minute": 23, "second": 49}
